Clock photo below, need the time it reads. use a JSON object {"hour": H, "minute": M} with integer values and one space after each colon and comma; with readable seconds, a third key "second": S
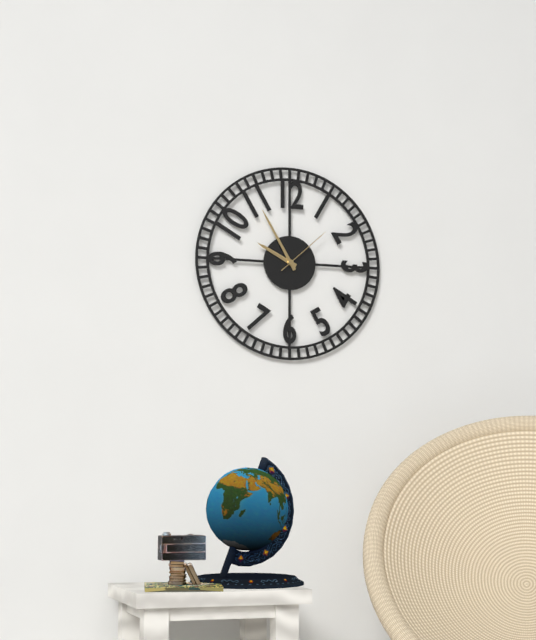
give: {"hour": 9, "minute": 55, "second": 8}
